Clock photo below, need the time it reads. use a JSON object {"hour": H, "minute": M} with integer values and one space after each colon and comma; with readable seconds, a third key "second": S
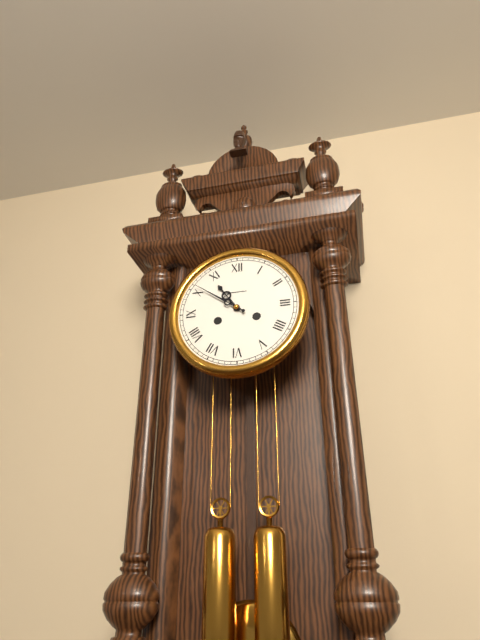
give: {"hour": 10, "minute": 51}
